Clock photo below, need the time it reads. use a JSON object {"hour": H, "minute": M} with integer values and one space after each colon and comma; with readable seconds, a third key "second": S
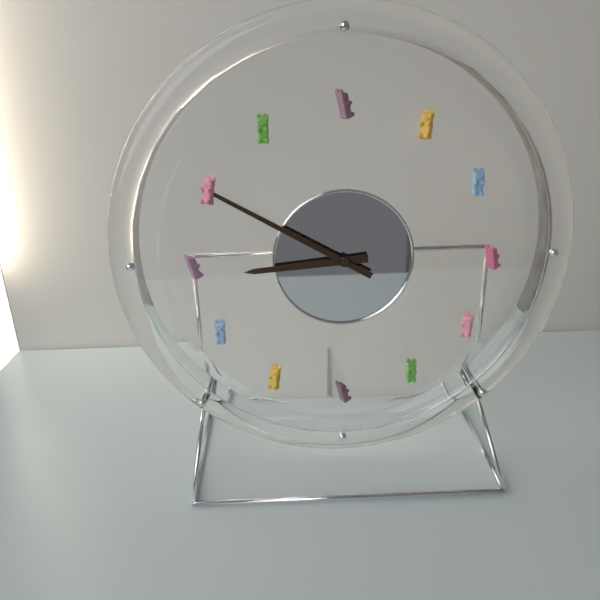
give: {"hour": 8, "minute": 50}
